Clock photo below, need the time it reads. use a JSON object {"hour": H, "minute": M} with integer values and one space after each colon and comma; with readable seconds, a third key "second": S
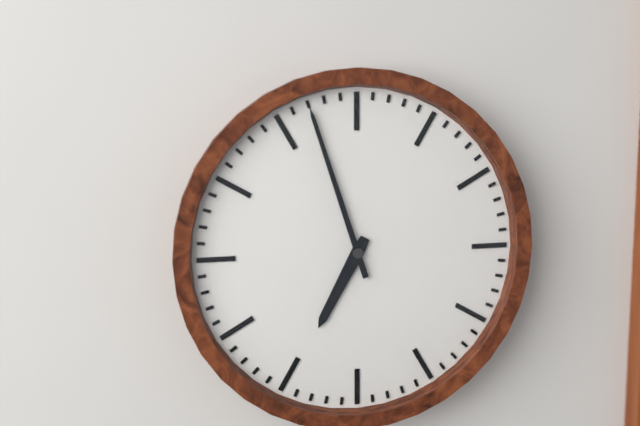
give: {"hour": 6, "minute": 57}
